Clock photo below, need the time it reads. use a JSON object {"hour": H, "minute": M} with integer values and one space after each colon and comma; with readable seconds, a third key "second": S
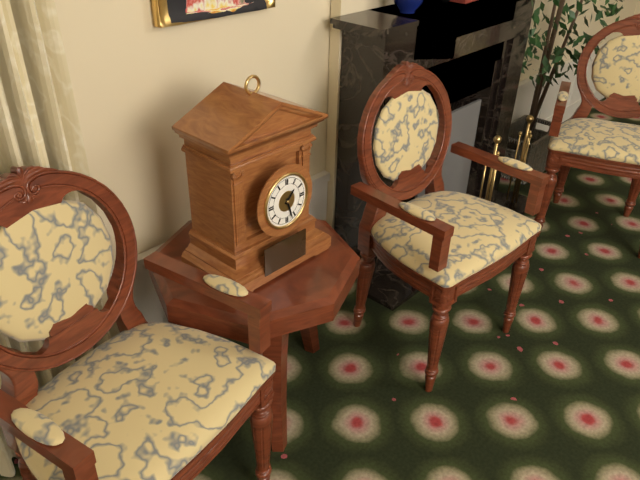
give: {"hour": 1, "minute": 27}
